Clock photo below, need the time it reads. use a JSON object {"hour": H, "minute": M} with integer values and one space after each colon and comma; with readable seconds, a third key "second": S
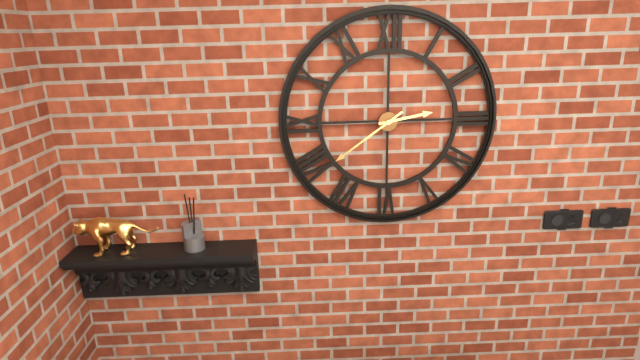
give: {"hour": 2, "minute": 39}
